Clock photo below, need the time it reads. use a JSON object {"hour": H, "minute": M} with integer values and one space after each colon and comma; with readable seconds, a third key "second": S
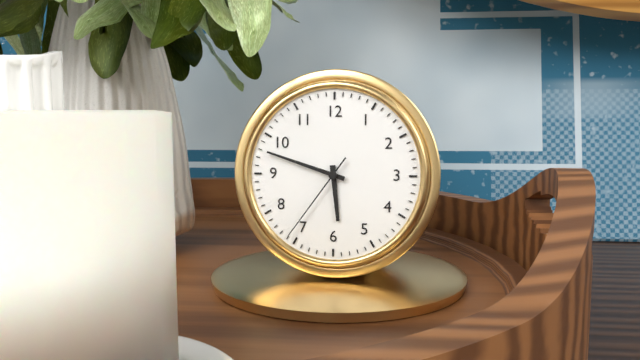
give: {"hour": 5, "minute": 48, "second": 36}
